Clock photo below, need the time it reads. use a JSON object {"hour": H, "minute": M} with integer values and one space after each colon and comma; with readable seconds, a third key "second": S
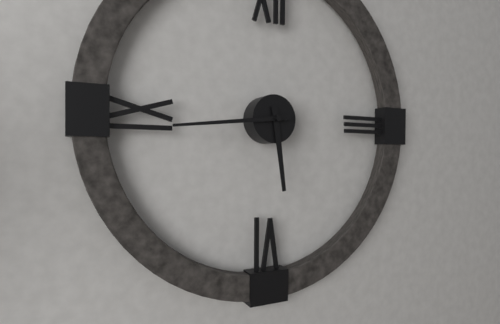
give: {"hour": 5, "minute": 44}
